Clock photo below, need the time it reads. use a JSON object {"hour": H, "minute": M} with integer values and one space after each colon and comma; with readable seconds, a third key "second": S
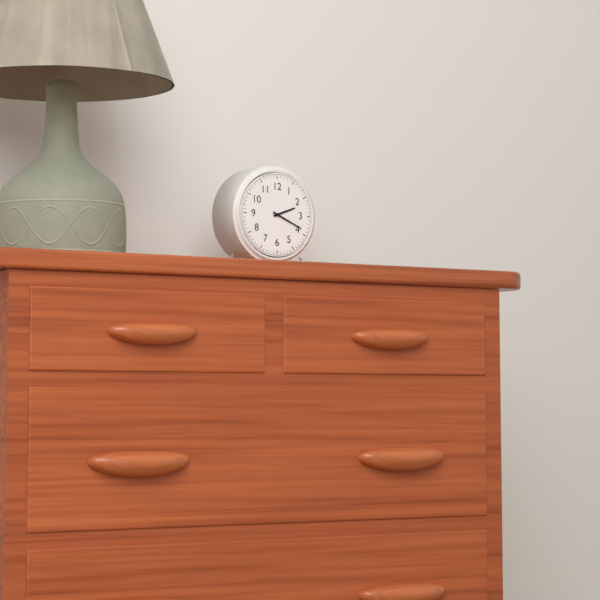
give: {"hour": 2, "minute": 19}
